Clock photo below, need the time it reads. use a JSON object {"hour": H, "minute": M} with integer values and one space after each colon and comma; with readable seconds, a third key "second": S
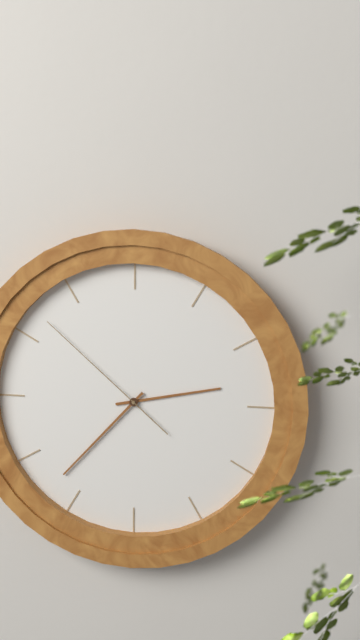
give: {"hour": 2, "minute": 37, "second": 52}
